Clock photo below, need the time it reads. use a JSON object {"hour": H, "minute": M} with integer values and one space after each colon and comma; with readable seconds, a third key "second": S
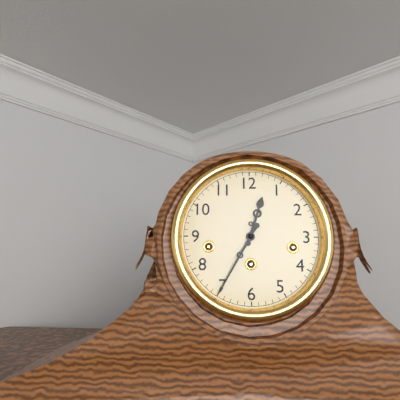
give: {"hour": 12, "minute": 35}
